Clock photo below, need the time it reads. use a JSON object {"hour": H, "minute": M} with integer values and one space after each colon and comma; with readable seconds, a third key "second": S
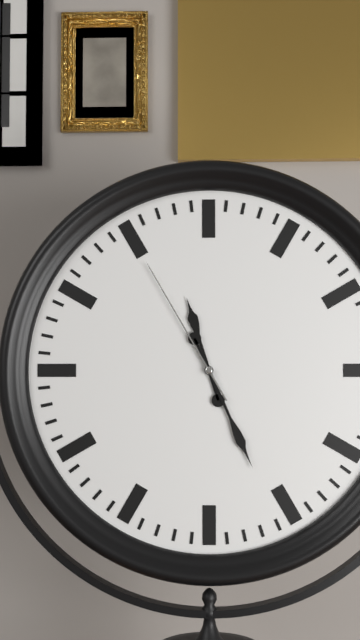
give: {"hour": 11, "minute": 26, "second": 55}
